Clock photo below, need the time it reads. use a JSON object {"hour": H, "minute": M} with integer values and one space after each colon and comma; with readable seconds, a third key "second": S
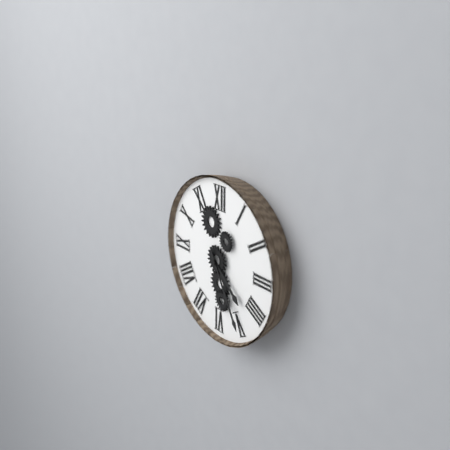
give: {"hour": 4, "minute": 25}
